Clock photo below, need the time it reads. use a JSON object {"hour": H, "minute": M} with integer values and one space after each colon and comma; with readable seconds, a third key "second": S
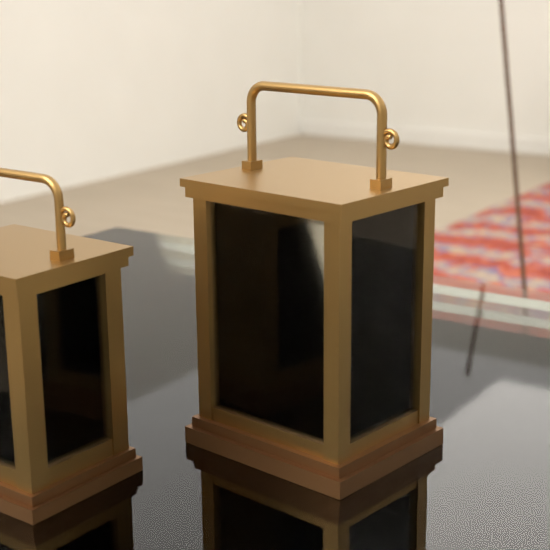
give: {"hour": 2, "minute": 2}
